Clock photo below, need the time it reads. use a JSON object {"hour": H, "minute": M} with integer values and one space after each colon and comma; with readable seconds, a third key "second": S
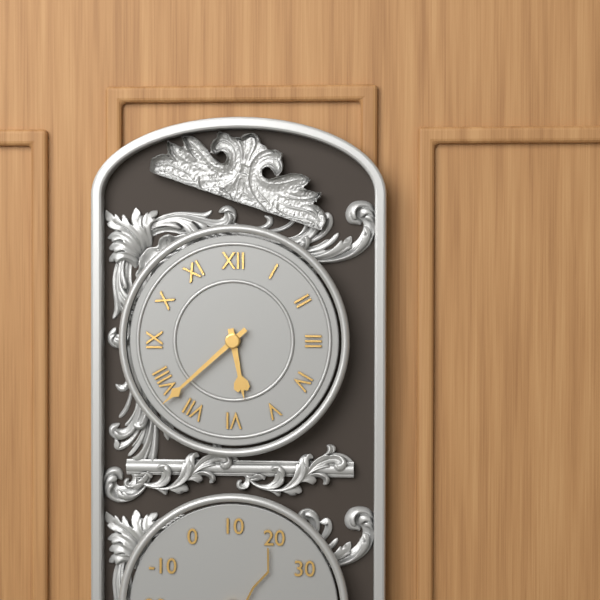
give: {"hour": 5, "minute": 38}
